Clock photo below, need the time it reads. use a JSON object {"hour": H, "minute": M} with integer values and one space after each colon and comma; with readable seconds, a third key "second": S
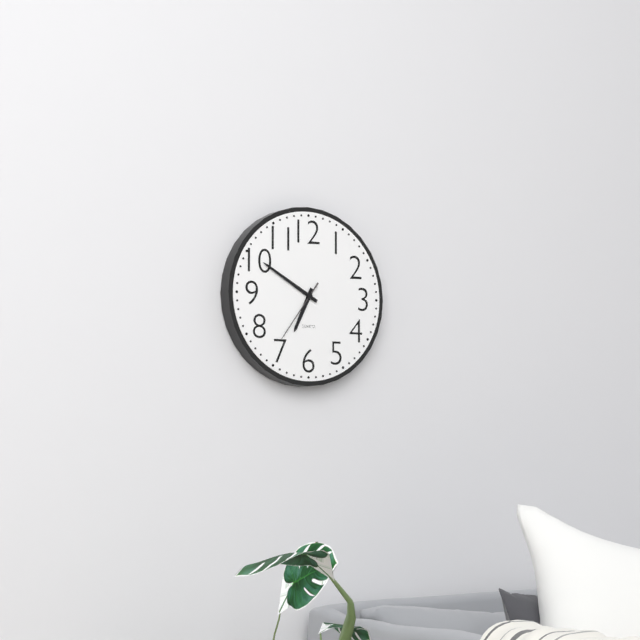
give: {"hour": 6, "minute": 50, "second": 36}
